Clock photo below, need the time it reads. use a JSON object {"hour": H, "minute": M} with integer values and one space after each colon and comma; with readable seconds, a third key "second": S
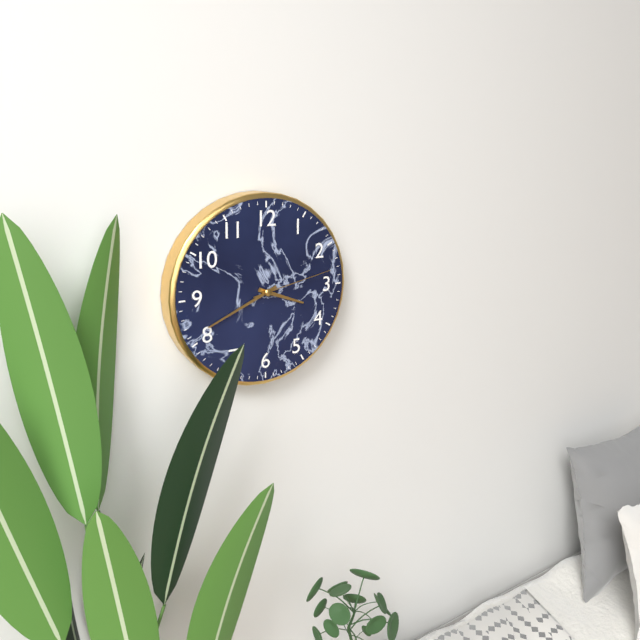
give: {"hour": 3, "minute": 41, "second": 13}
